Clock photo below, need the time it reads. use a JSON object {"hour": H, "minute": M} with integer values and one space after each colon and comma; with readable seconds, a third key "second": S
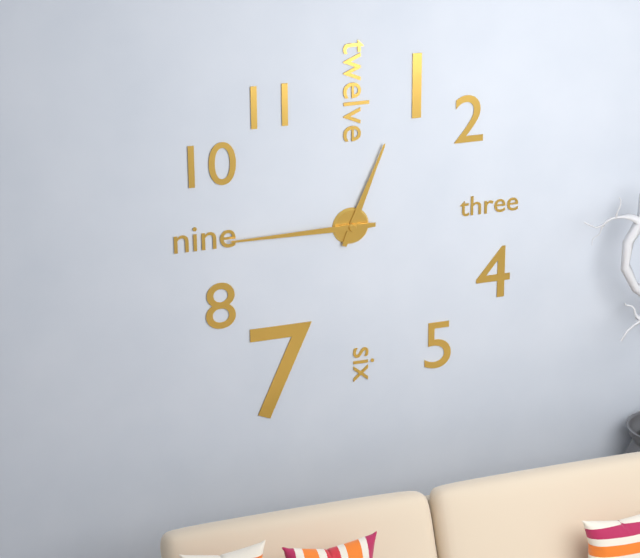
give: {"hour": 12, "minute": 45}
